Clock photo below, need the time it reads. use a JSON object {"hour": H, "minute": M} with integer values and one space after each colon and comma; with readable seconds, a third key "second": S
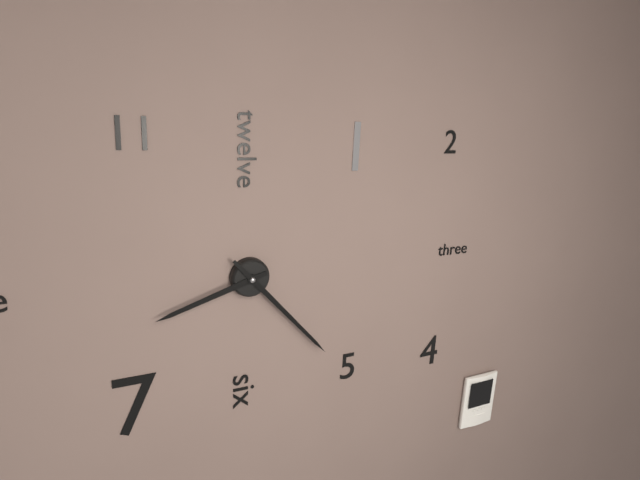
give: {"hour": 8, "minute": 23}
